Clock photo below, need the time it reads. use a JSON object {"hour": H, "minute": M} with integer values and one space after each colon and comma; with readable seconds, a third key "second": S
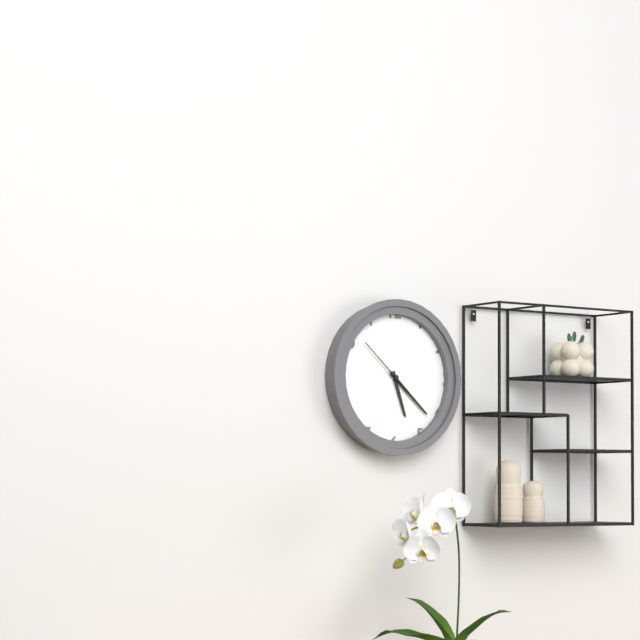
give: {"hour": 5, "minute": 22, "second": 52}
